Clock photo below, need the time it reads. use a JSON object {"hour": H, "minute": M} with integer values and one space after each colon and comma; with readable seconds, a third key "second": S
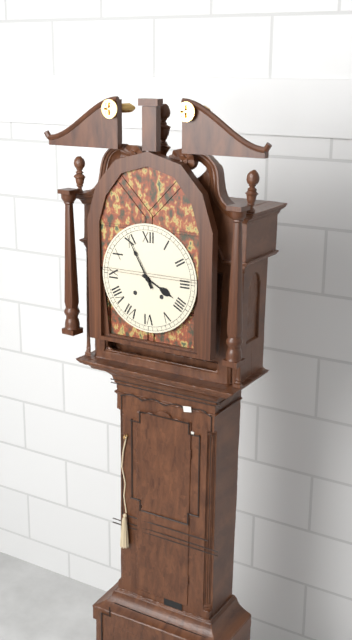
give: {"hour": 3, "minute": 55}
